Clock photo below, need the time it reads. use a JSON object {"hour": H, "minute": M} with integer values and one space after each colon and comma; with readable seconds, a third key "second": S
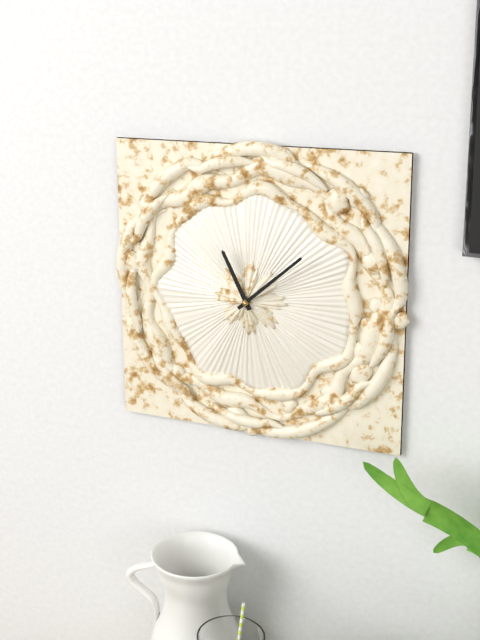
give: {"hour": 11, "minute": 8}
